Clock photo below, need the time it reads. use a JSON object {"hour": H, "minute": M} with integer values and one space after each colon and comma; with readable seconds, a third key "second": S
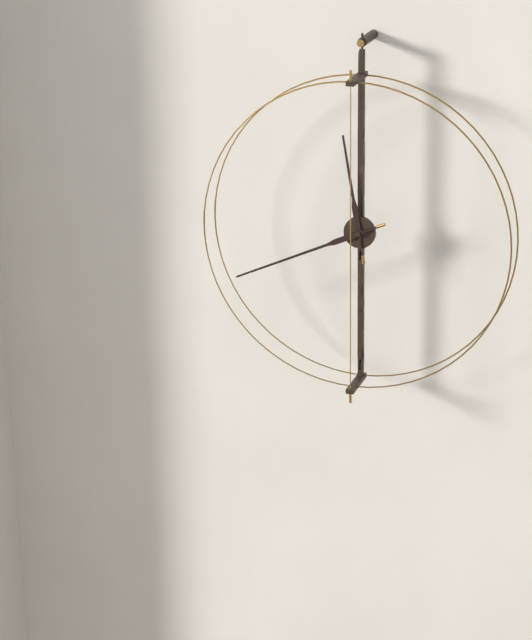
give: {"hour": 11, "minute": 41}
